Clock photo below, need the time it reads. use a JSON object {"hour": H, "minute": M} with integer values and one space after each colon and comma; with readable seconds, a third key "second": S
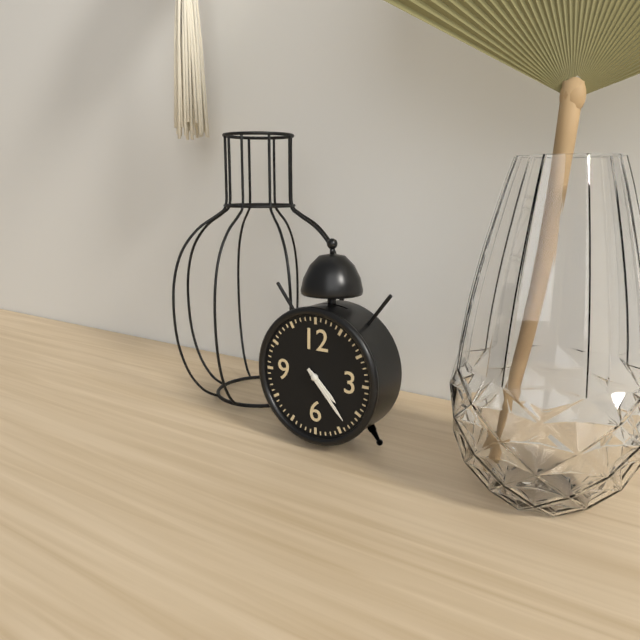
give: {"hour": 4, "minute": 23}
